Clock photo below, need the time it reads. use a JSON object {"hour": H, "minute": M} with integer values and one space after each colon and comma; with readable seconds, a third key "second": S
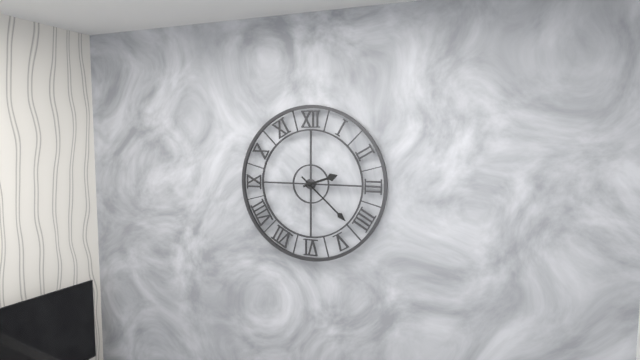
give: {"hour": 2, "minute": 22}
